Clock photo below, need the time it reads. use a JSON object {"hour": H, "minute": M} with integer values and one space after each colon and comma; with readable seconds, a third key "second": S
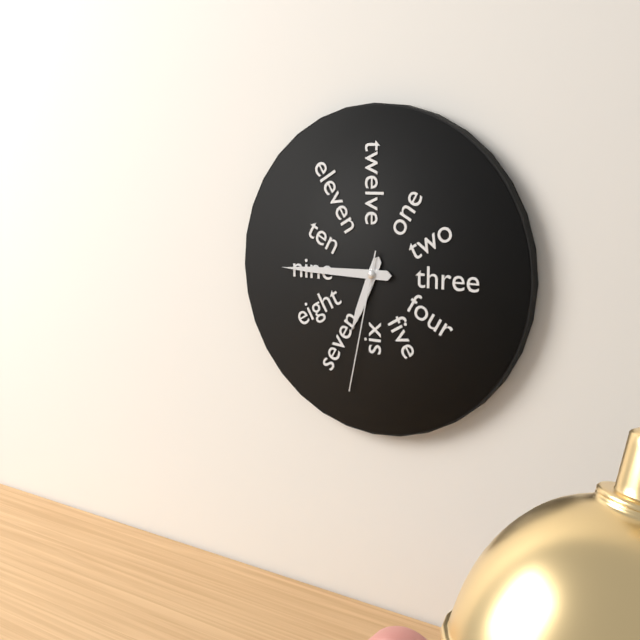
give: {"hour": 6, "minute": 45, "second": 32}
